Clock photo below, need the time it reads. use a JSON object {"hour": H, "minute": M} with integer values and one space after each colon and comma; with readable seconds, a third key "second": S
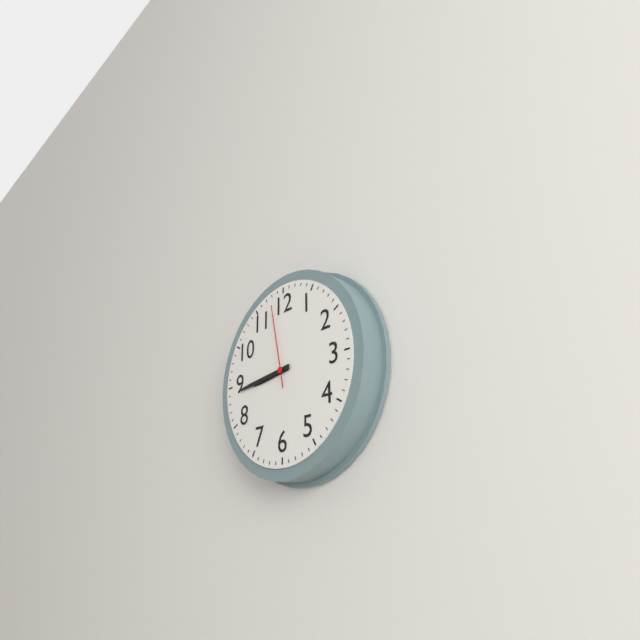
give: {"hour": 8, "minute": 44, "second": 58}
